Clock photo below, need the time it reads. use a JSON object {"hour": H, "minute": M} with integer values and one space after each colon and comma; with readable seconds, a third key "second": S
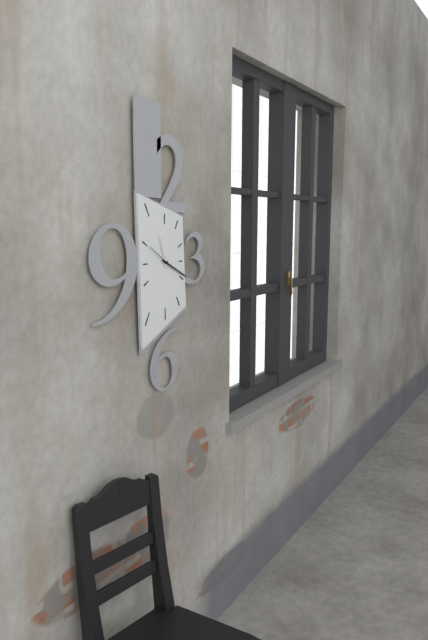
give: {"hour": 11, "minute": 19}
